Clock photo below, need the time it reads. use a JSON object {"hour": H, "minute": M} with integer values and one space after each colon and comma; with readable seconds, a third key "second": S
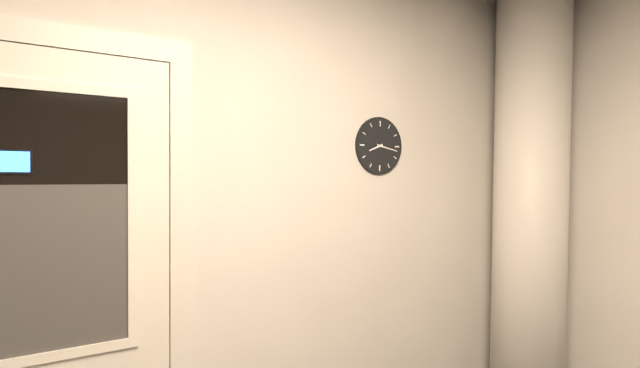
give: {"hour": 8, "minute": 17}
